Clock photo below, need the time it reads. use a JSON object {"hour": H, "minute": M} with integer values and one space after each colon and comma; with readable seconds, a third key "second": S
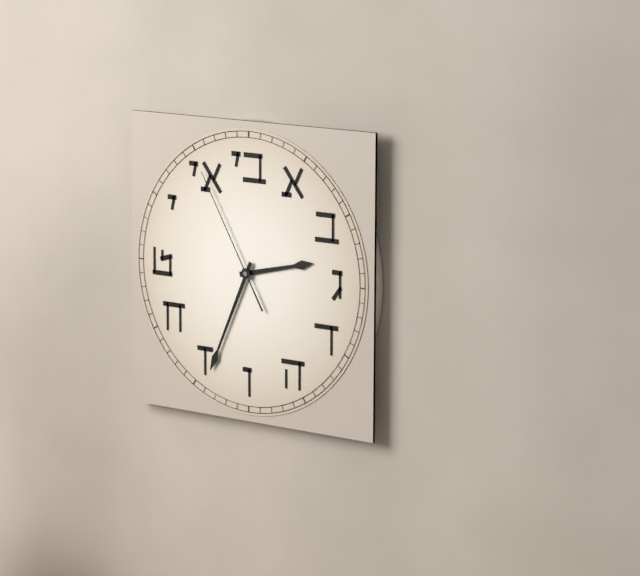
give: {"hour": 2, "minute": 34, "second": 55}
